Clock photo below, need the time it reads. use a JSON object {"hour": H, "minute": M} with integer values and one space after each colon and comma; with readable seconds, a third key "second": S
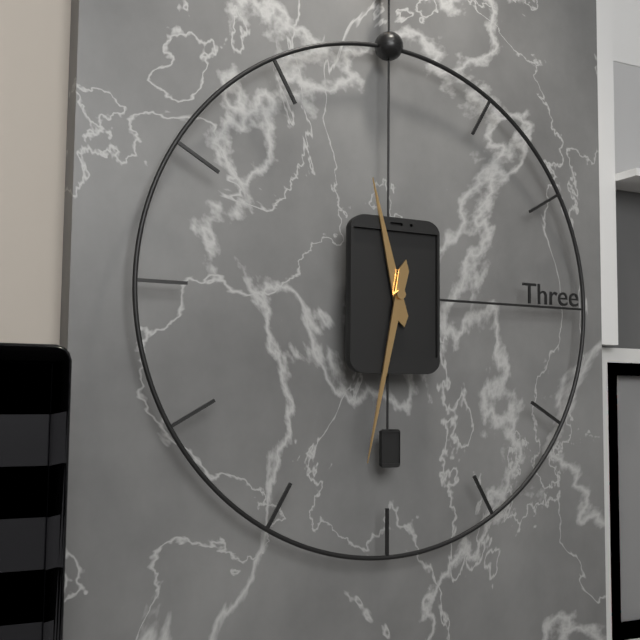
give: {"hour": 11, "minute": 32}
